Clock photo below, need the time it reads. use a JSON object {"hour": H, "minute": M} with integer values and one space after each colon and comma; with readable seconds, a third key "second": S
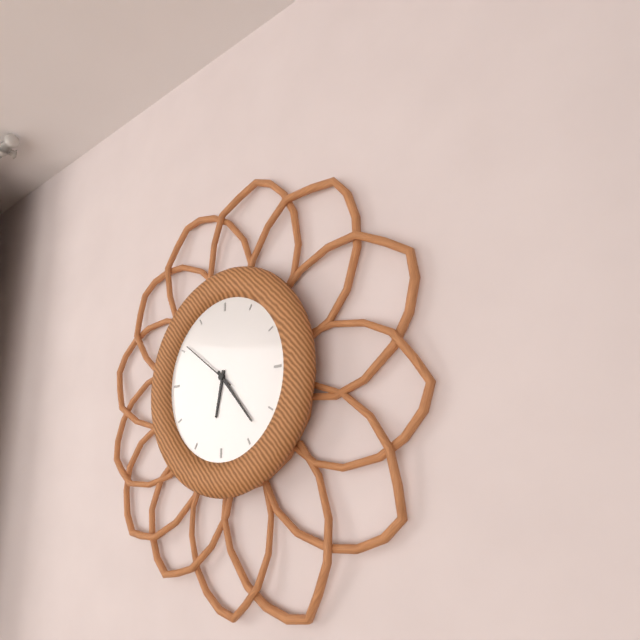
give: {"hour": 6, "minute": 23, "second": 51}
